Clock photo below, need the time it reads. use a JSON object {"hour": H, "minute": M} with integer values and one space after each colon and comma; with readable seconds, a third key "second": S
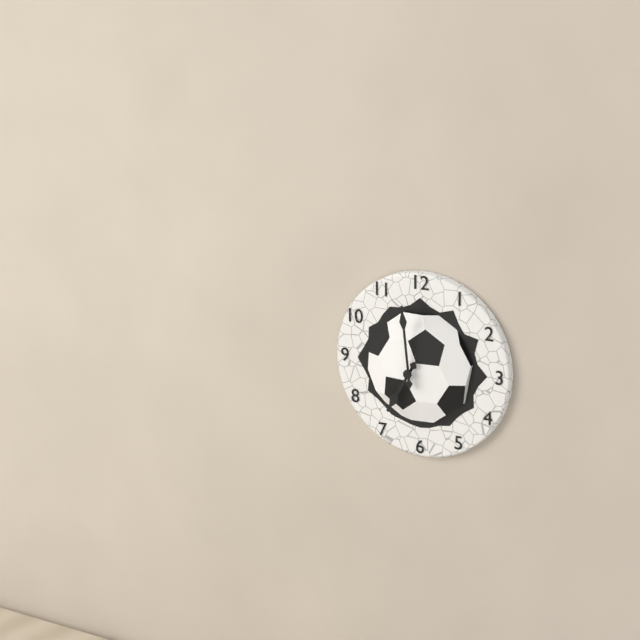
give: {"hour": 6, "minute": 59}
